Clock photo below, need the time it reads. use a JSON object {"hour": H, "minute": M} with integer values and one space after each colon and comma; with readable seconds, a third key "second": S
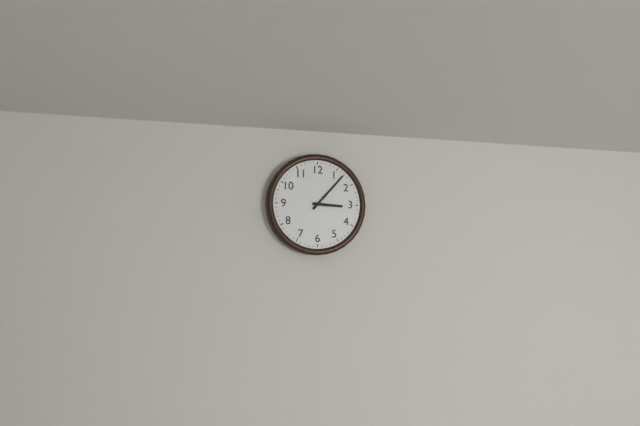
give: {"hour": 3, "minute": 7}
